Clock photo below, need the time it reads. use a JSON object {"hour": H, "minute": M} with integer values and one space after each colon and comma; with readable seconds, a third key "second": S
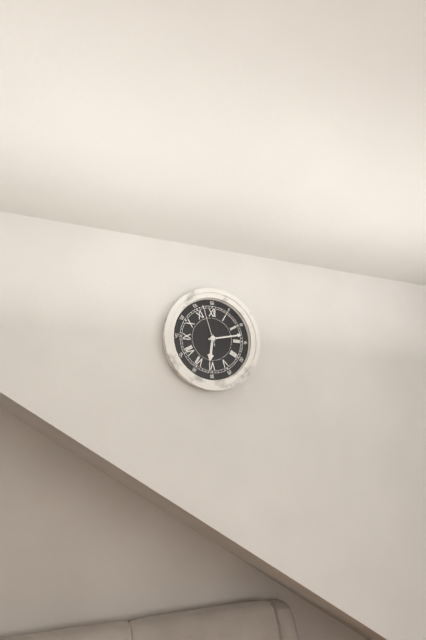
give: {"hour": 6, "minute": 13}
